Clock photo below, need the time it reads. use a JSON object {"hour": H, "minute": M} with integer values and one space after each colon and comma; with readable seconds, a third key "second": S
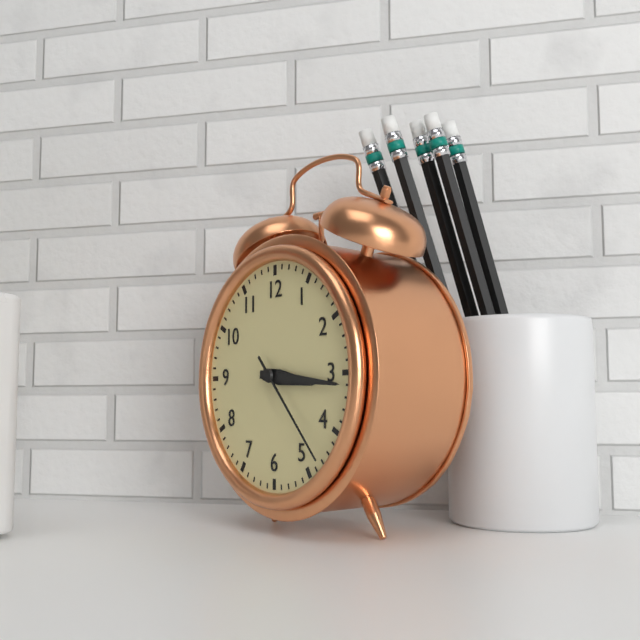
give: {"hour": 3, "minute": 16, "second": 23}
